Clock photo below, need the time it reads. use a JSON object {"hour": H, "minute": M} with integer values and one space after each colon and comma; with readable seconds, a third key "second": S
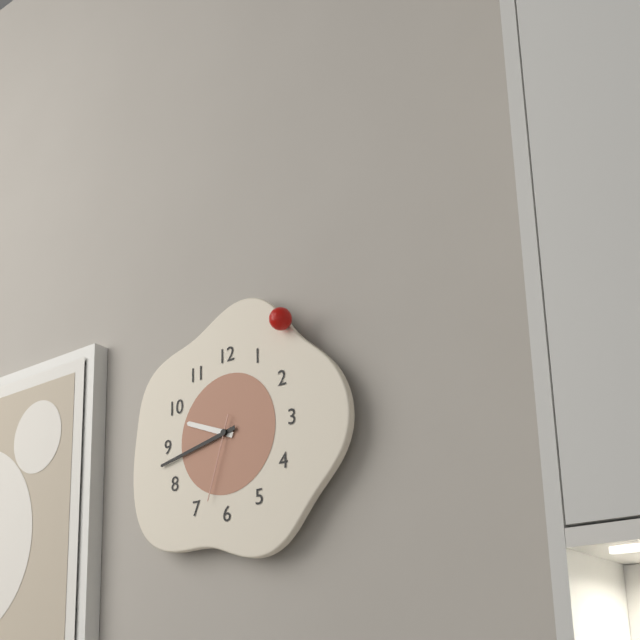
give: {"hour": 9, "minute": 43, "second": 33}
